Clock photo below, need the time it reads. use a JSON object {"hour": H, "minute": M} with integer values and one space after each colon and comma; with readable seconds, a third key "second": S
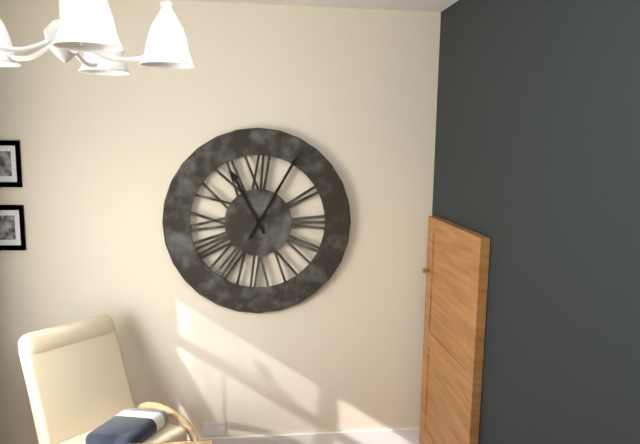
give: {"hour": 11, "minute": 5}
